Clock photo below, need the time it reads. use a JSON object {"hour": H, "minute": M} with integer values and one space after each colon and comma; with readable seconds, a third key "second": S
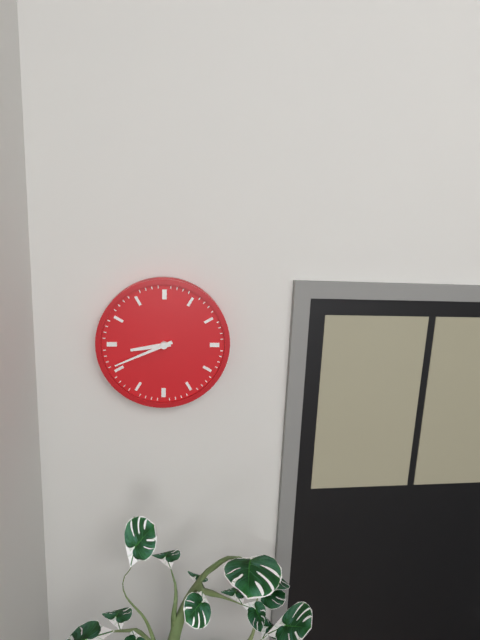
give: {"hour": 8, "minute": 41}
